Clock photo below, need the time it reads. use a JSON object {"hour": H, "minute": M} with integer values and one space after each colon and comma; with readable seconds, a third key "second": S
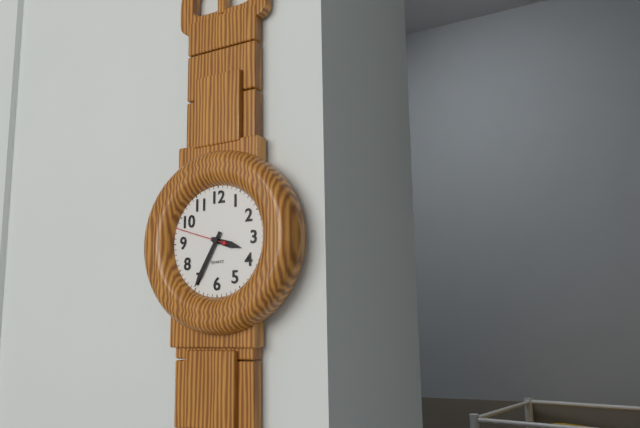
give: {"hour": 3, "minute": 35, "second": 48}
